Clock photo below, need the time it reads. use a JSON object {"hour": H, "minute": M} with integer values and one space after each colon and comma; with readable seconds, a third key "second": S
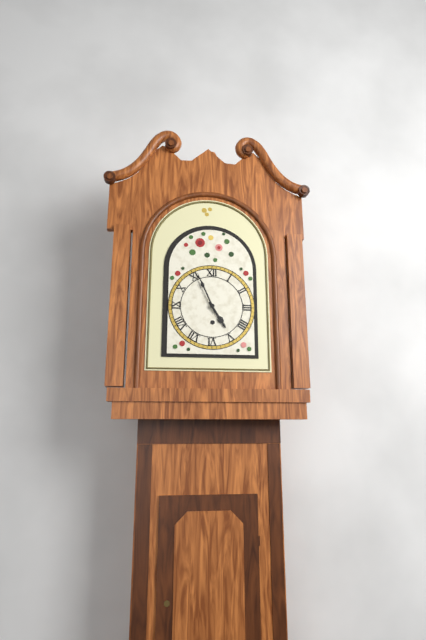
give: {"hour": 4, "minute": 56}
